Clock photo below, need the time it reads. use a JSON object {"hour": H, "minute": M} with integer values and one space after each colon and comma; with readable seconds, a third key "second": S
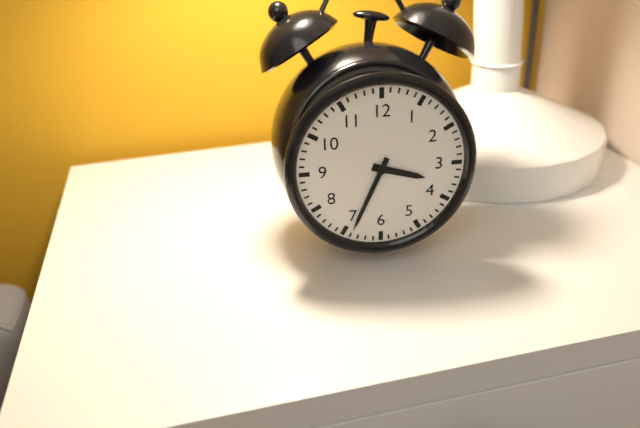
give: {"hour": 3, "minute": 34}
